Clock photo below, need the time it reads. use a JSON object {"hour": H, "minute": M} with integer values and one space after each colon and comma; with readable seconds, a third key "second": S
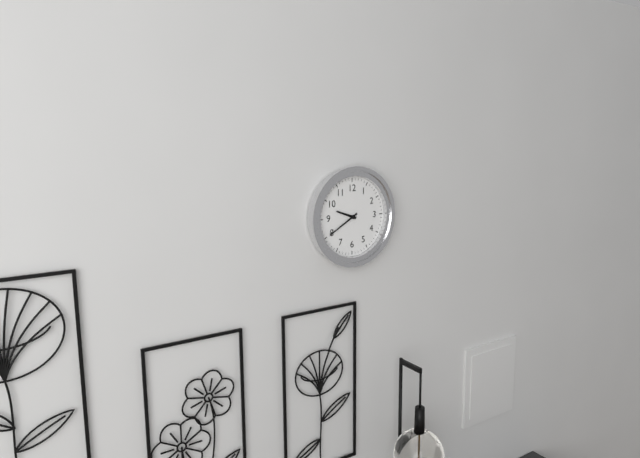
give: {"hour": 9, "minute": 40}
